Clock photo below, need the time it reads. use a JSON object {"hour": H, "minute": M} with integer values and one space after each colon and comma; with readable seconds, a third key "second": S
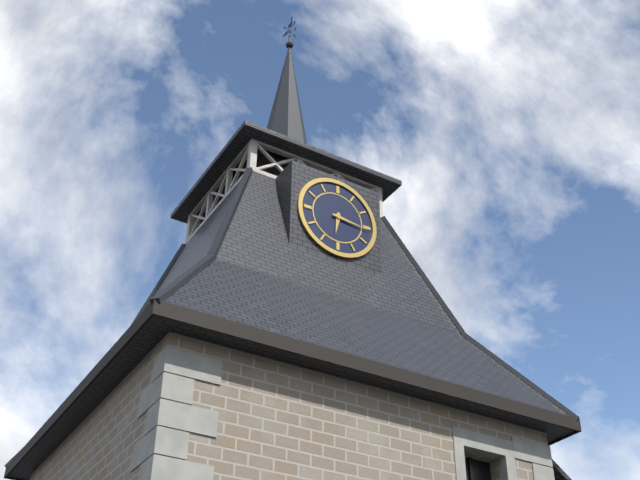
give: {"hour": 6, "minute": 16}
